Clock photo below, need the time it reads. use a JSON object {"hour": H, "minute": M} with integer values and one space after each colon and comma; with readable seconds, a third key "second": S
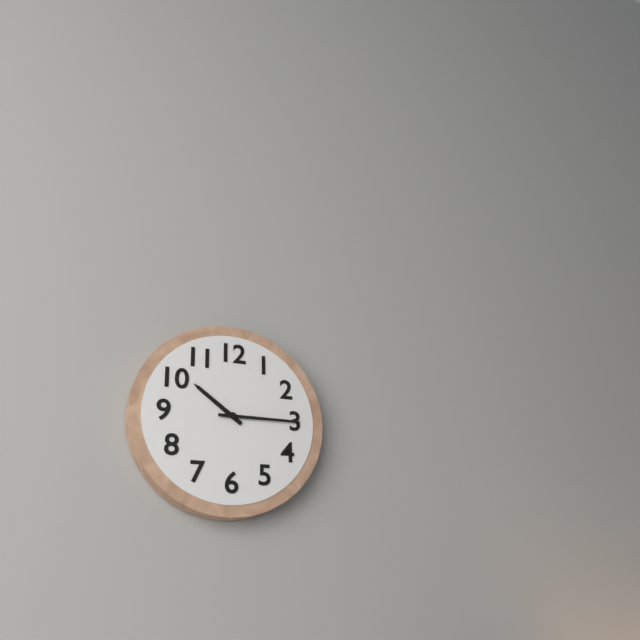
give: {"hour": 10, "minute": 15}
